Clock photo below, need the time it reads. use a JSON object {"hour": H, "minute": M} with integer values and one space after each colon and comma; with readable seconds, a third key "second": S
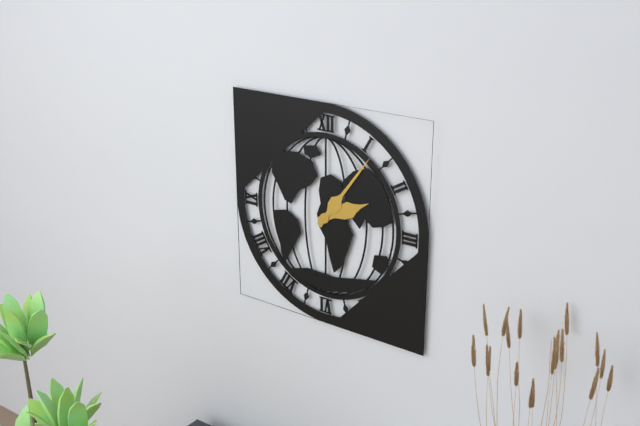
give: {"hour": 2, "minute": 6}
